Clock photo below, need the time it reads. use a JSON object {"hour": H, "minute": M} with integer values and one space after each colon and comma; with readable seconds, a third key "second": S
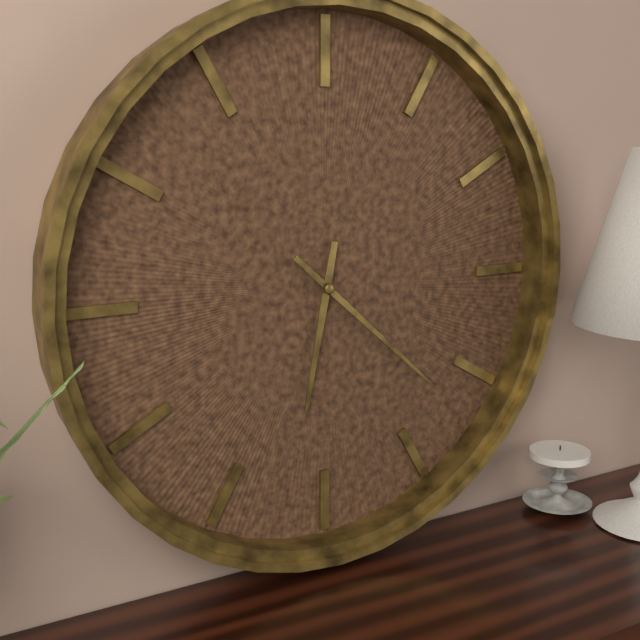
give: {"hour": 6, "minute": 22}
